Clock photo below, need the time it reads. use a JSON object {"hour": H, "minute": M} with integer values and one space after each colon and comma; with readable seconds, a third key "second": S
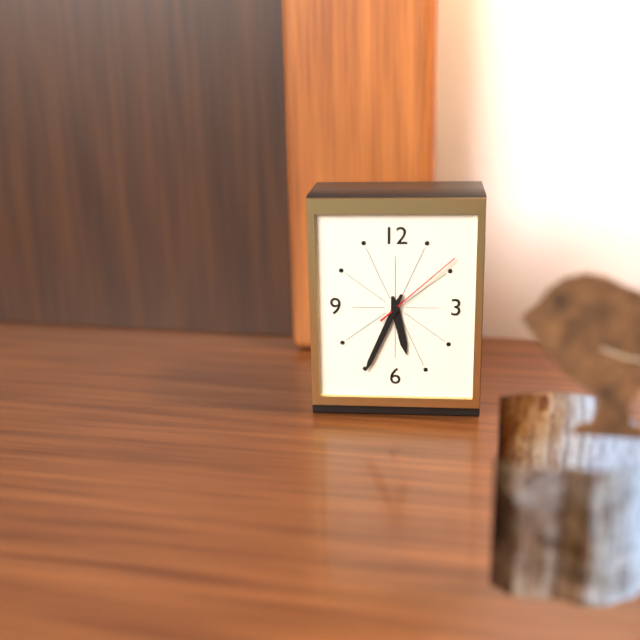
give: {"hour": 5, "minute": 34, "second": 8}
